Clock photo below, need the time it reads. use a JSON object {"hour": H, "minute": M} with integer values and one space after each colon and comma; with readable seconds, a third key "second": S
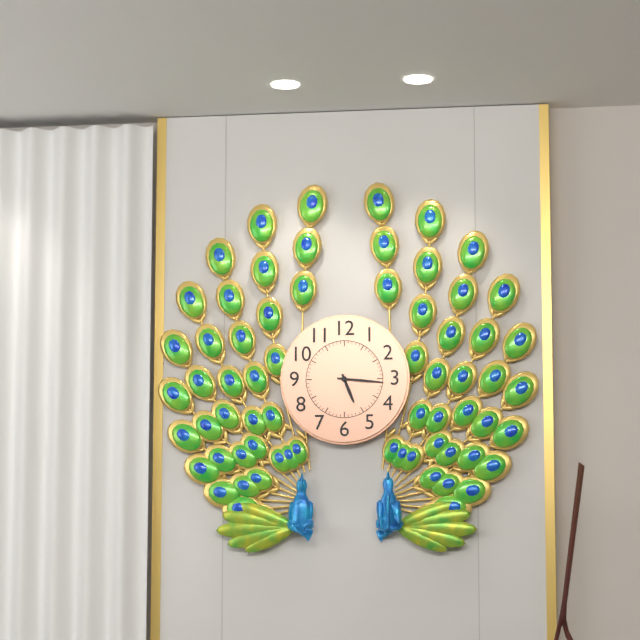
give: {"hour": 5, "minute": 16}
